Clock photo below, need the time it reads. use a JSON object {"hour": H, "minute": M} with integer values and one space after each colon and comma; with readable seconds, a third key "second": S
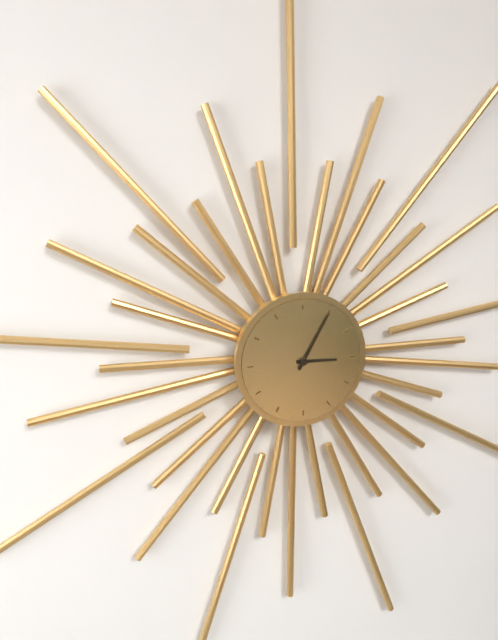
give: {"hour": 3, "minute": 5}
